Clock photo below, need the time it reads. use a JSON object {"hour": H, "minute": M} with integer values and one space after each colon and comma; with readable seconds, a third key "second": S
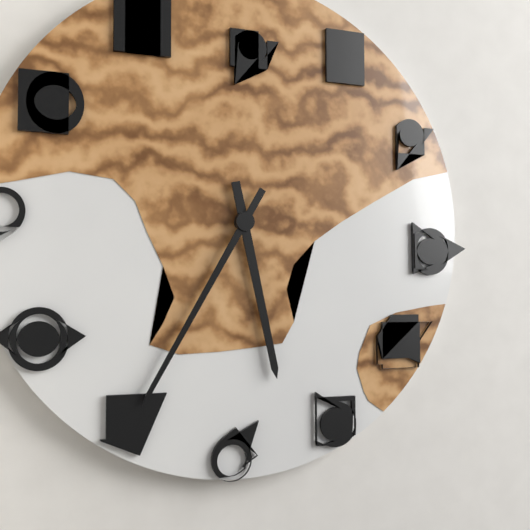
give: {"hour": 5, "minute": 35}
